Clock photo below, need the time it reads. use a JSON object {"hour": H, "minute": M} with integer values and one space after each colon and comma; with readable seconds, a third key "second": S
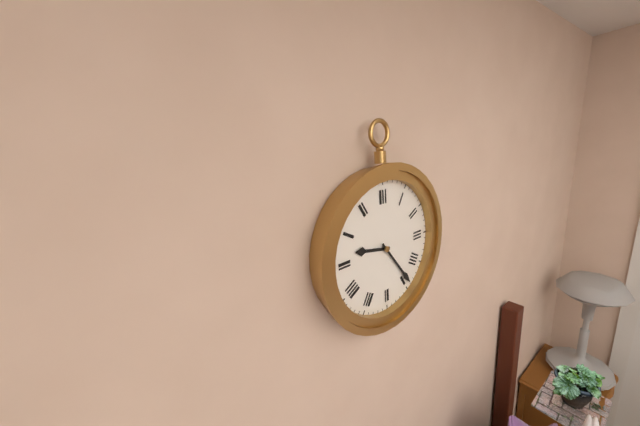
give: {"hour": 9, "minute": 24}
